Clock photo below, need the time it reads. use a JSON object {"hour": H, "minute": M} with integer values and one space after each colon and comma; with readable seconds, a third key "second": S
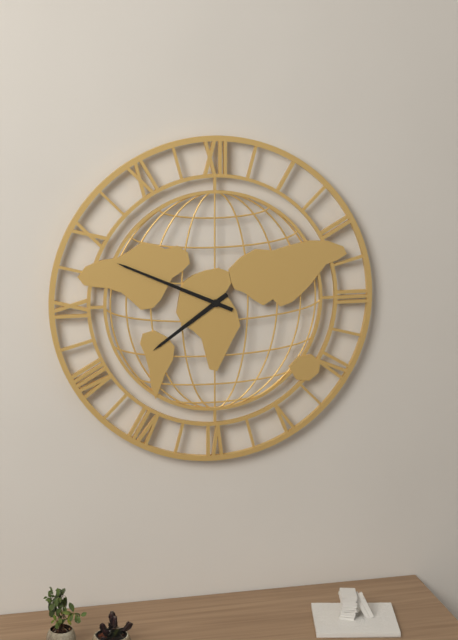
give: {"hour": 7, "minute": 49}
